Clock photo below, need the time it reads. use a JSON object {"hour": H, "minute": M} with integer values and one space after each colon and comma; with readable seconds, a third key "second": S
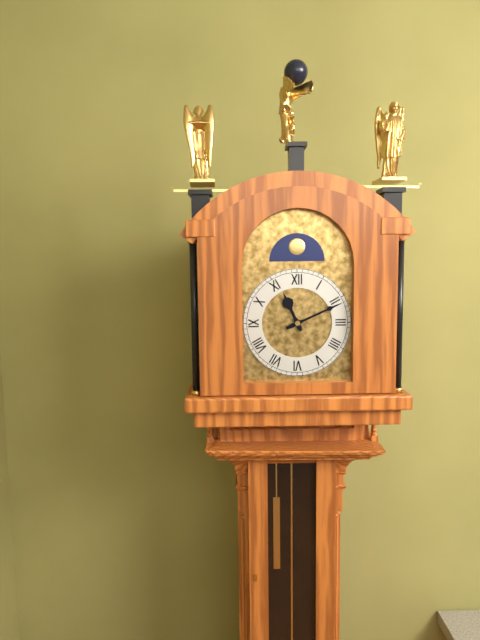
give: {"hour": 11, "minute": 11}
